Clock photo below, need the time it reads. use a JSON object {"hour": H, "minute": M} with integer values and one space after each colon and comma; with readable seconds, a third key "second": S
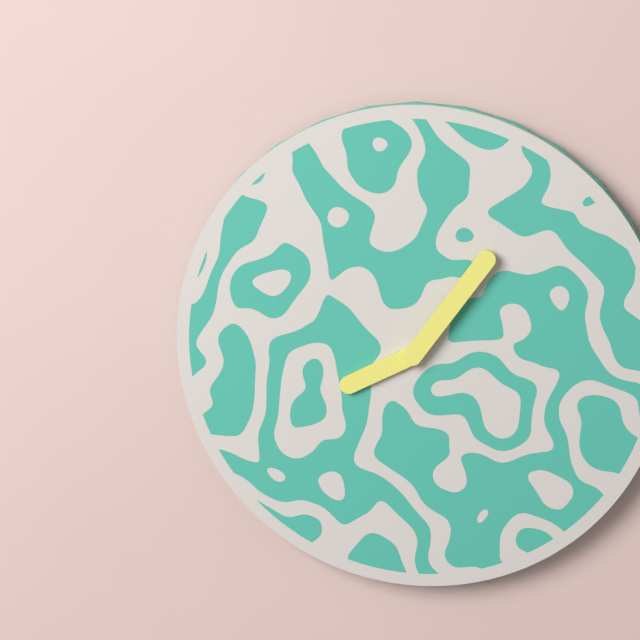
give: {"hour": 8, "minute": 6}
